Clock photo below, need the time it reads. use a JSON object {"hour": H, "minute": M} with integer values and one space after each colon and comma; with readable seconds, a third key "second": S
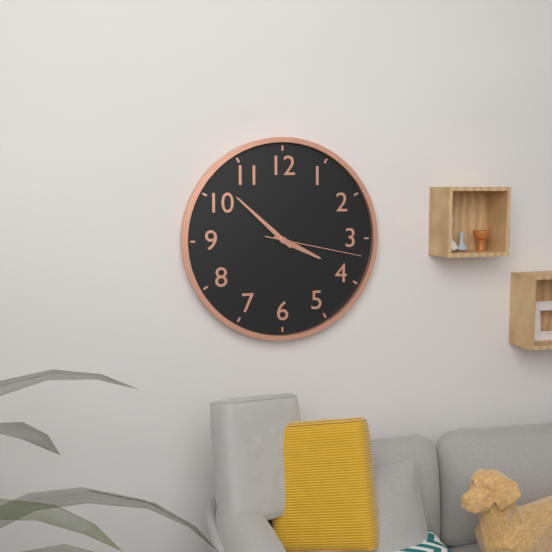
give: {"hour": 3, "minute": 52, "second": 17}
